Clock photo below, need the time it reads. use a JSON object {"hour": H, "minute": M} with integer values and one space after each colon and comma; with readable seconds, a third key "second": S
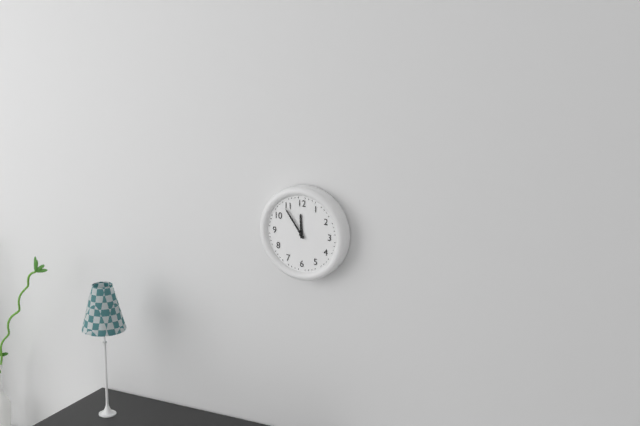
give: {"hour": 11, "minute": 54}
